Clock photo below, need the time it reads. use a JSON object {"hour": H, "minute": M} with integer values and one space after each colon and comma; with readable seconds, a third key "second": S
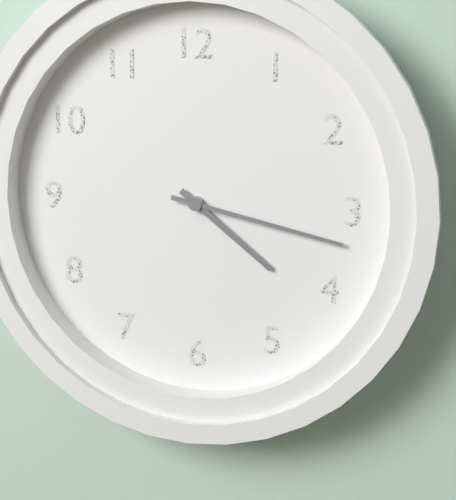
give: {"hour": 4, "minute": 17}
